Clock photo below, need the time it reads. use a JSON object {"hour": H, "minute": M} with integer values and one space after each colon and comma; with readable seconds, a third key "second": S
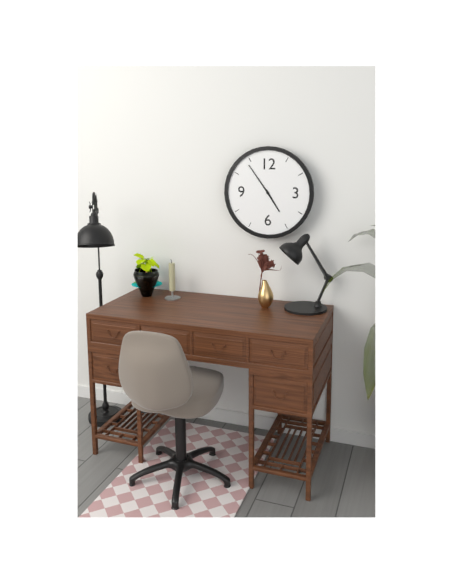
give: {"hour": 4, "minute": 54}
